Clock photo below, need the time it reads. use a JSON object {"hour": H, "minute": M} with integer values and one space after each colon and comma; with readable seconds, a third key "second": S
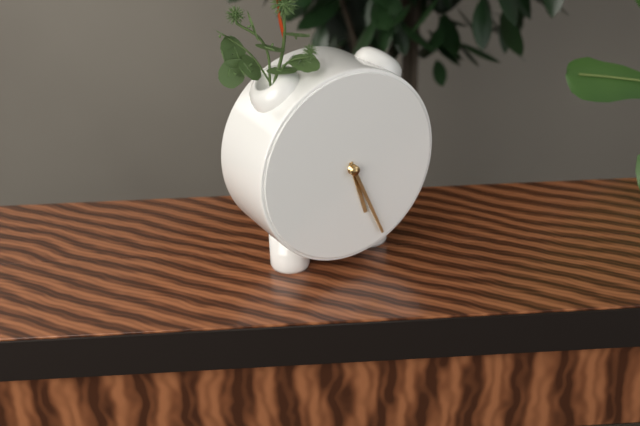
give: {"hour": 5, "minute": 26}
